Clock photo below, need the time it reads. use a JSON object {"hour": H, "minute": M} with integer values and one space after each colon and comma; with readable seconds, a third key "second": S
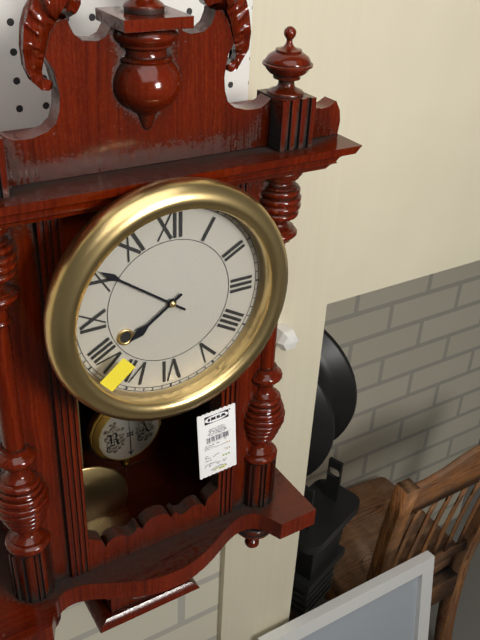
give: {"hour": 7, "minute": 51}
